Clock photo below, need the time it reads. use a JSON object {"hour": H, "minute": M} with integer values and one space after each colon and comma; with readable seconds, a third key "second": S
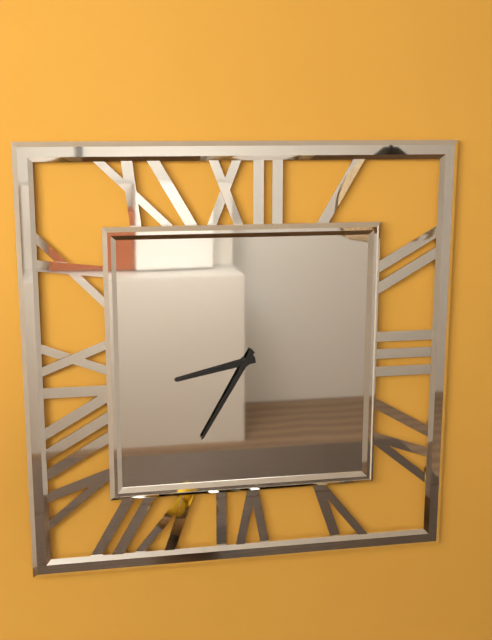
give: {"hour": 8, "minute": 35}
